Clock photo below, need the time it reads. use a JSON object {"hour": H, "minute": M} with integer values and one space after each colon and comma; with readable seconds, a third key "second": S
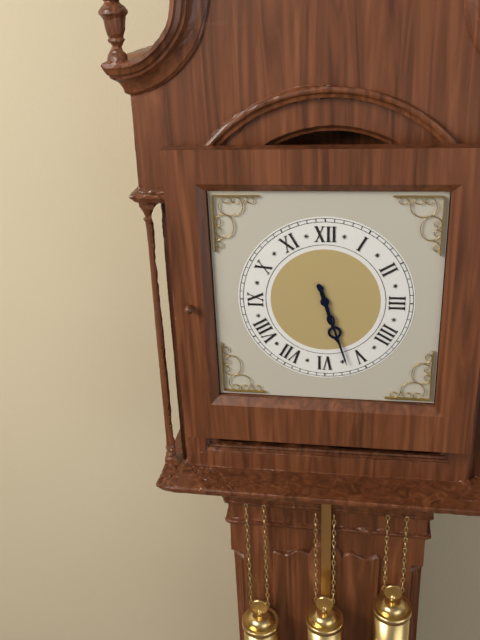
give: {"hour": 5, "minute": 27}
